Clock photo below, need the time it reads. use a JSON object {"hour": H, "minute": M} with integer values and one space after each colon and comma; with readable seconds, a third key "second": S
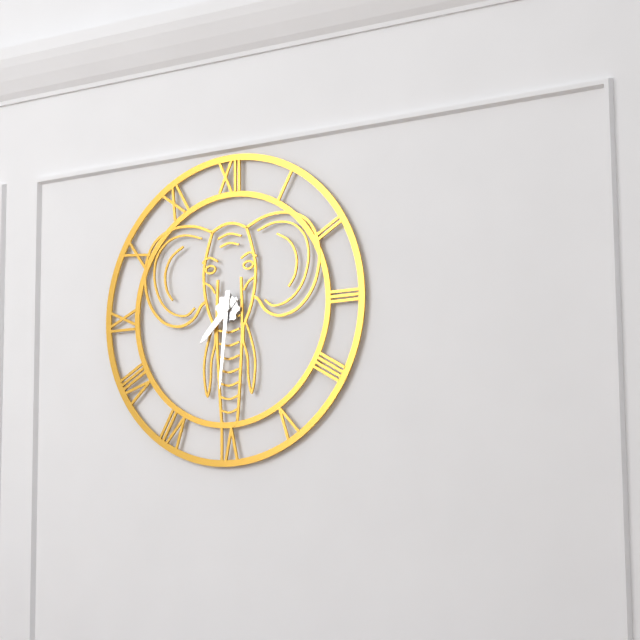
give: {"hour": 7, "minute": 31}
